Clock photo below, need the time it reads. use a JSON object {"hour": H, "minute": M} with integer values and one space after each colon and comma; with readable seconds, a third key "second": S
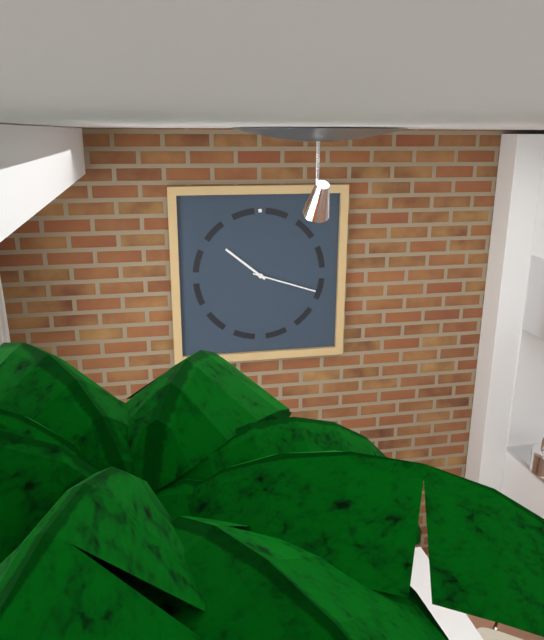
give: {"hour": 10, "minute": 18}
